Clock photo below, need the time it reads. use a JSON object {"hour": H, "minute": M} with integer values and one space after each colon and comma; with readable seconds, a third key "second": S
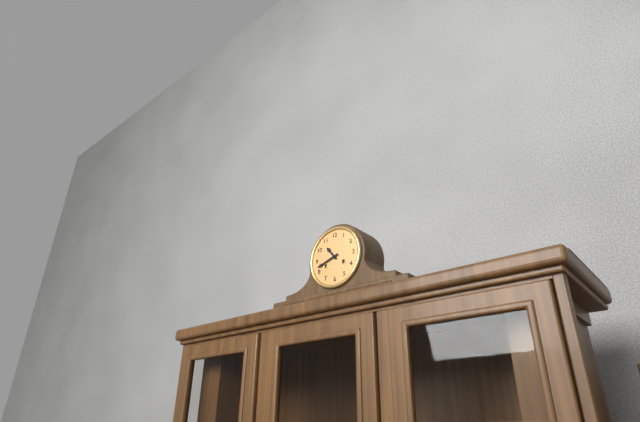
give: {"hour": 10, "minute": 42}
